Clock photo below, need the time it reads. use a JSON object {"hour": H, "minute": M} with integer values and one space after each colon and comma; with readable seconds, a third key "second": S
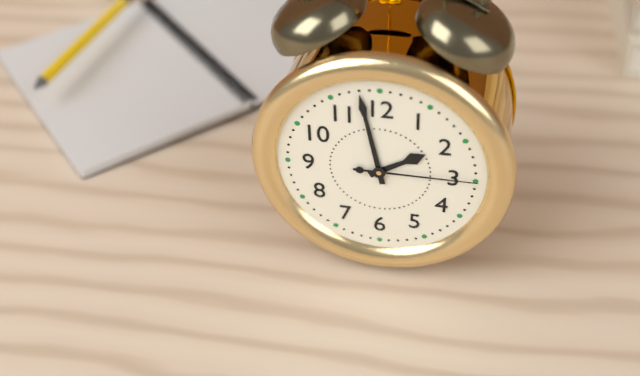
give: {"hour": 1, "minute": 58, "second": 15}
